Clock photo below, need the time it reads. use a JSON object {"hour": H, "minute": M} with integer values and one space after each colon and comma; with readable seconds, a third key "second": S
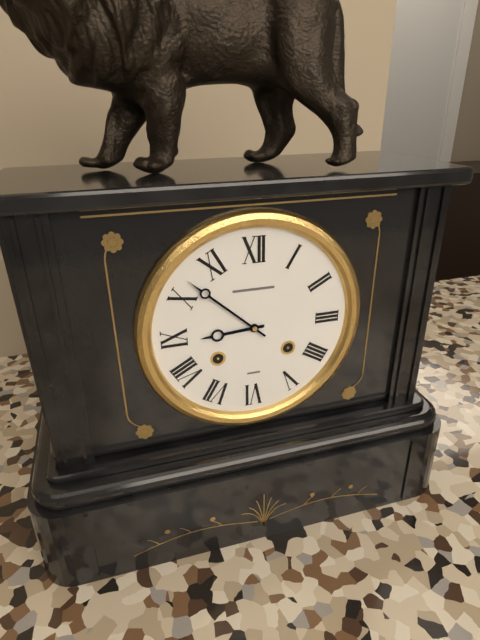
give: {"hour": 8, "minute": 52}
